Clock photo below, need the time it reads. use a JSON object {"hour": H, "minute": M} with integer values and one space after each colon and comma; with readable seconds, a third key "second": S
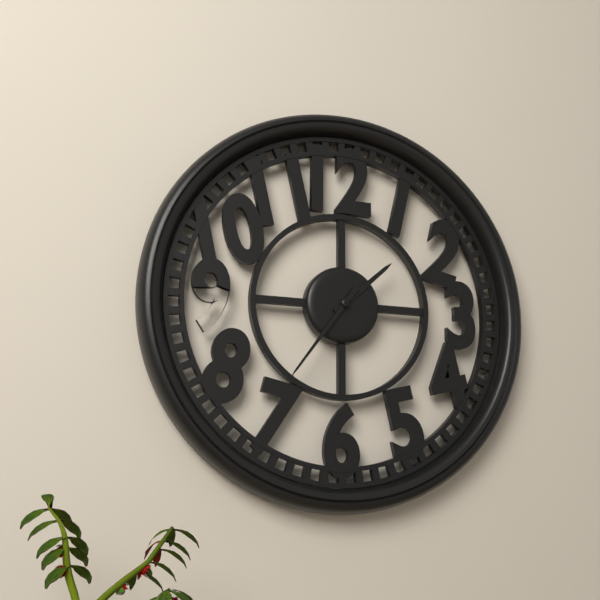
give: {"hour": 1, "minute": 36}
